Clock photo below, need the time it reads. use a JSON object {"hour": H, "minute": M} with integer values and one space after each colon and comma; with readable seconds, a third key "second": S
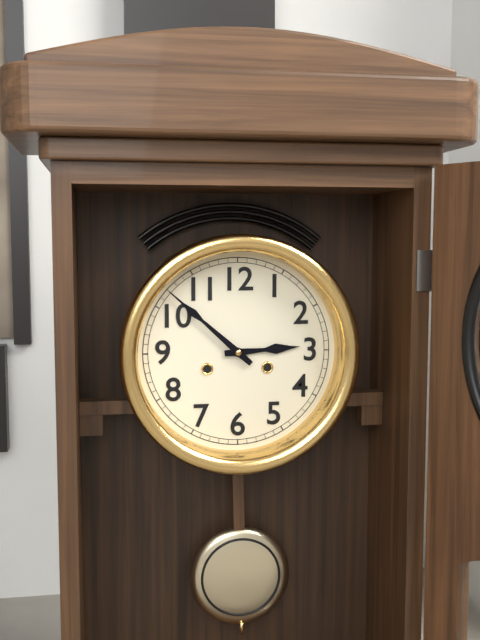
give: {"hour": 2, "minute": 52}
